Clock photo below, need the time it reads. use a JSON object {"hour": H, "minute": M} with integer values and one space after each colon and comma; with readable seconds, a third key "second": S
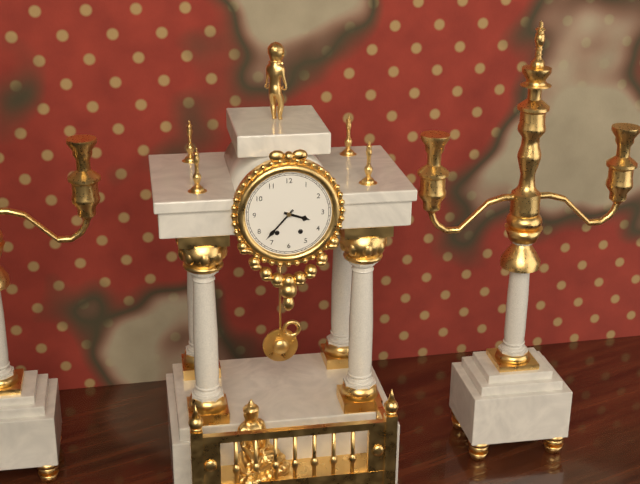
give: {"hour": 3, "minute": 37}
